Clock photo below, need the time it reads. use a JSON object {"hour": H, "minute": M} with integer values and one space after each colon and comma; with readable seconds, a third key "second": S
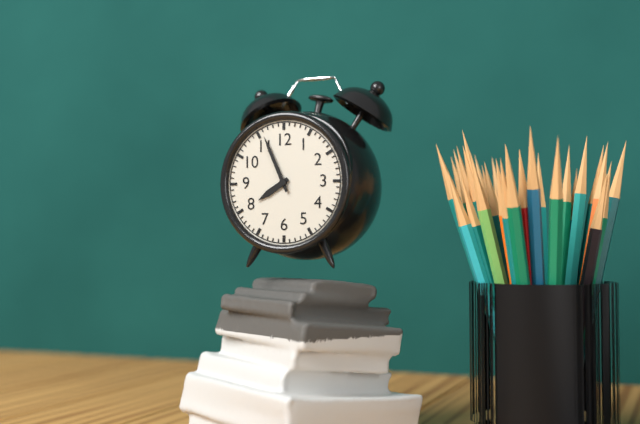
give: {"hour": 7, "minute": 56}
